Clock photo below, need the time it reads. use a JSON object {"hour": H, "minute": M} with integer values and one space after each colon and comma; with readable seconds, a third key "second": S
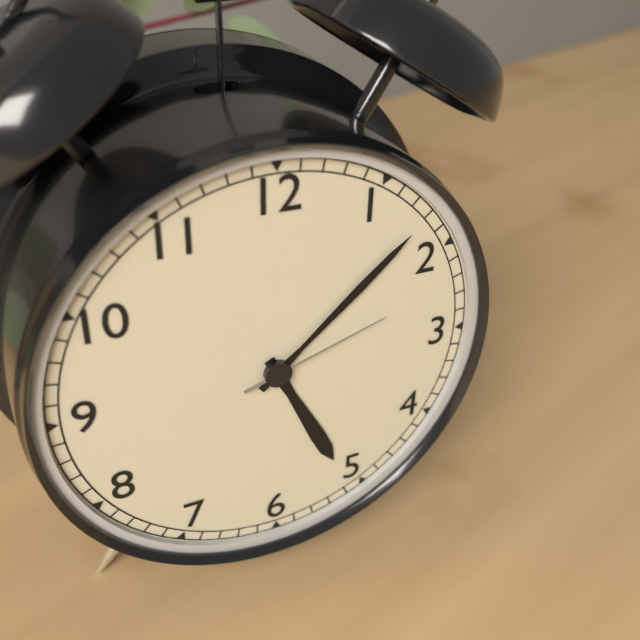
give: {"hour": 5, "minute": 8, "second": 12}
